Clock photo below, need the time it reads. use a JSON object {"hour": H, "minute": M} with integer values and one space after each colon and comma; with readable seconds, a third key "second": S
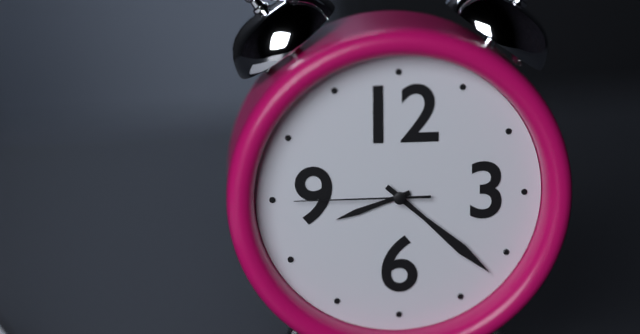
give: {"hour": 8, "minute": 22, "second": 45}
